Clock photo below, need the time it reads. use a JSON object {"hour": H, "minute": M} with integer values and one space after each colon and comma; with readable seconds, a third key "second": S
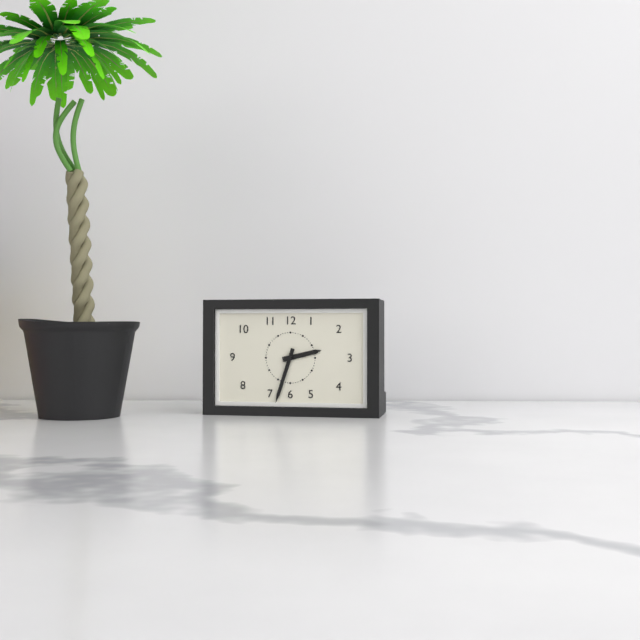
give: {"hour": 2, "minute": 33}
